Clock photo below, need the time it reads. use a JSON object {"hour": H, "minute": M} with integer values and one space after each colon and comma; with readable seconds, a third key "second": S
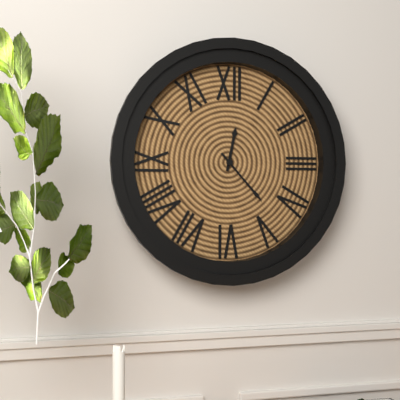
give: {"hour": 12, "minute": 23}
